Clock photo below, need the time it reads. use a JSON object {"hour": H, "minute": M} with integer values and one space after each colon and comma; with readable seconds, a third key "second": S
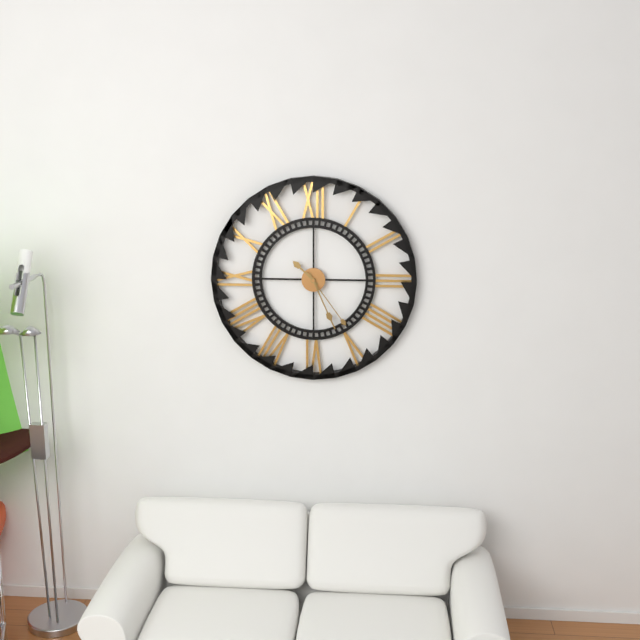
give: {"hour": 10, "minute": 26, "second": 24}
